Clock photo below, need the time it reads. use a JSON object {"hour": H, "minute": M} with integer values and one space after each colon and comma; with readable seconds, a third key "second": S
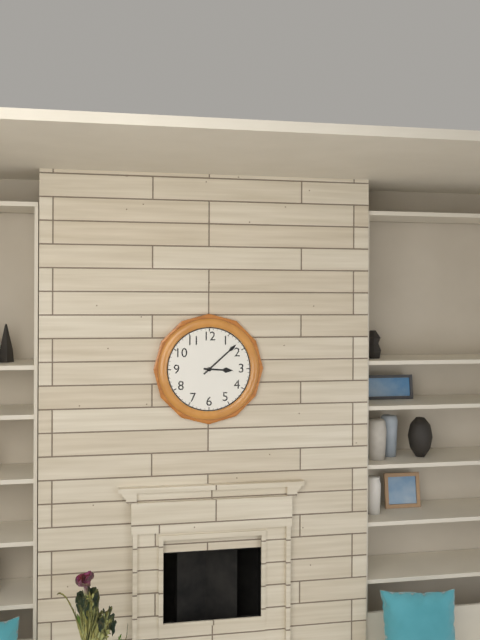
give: {"hour": 3, "minute": 8}
